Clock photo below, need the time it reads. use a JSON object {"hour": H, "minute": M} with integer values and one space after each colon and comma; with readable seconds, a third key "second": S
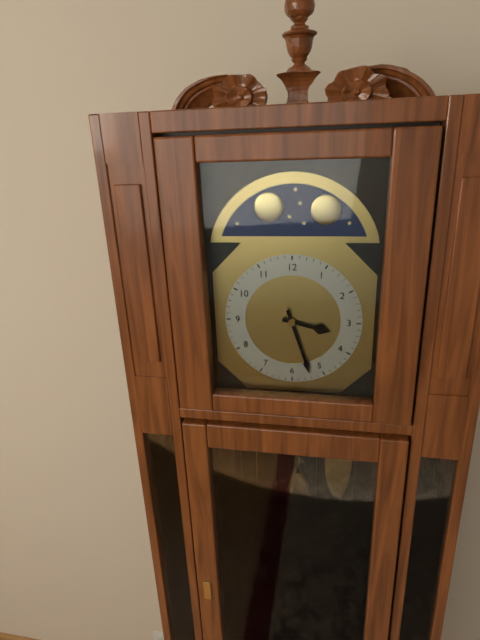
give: {"hour": 3, "minute": 27}
